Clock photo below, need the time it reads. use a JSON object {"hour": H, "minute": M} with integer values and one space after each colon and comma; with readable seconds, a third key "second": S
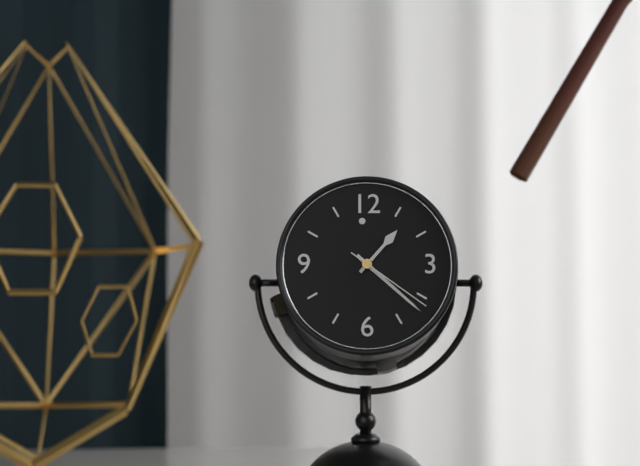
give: {"hour": 1, "minute": 22, "second": 21}
